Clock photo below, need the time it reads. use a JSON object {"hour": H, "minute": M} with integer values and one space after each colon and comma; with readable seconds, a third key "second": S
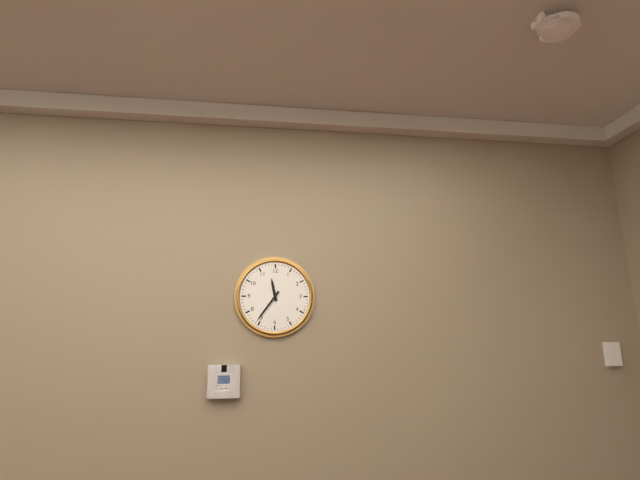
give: {"hour": 11, "minute": 36}
